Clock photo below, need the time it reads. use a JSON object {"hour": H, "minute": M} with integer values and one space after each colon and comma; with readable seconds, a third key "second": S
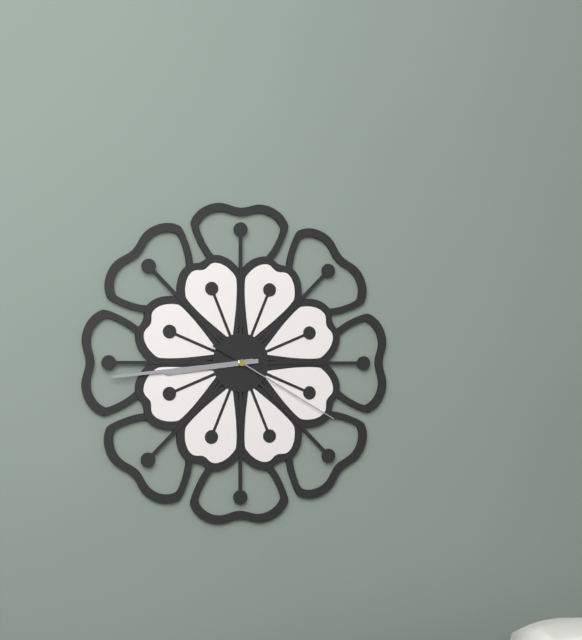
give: {"hour": 8, "minute": 44, "second": 20}
